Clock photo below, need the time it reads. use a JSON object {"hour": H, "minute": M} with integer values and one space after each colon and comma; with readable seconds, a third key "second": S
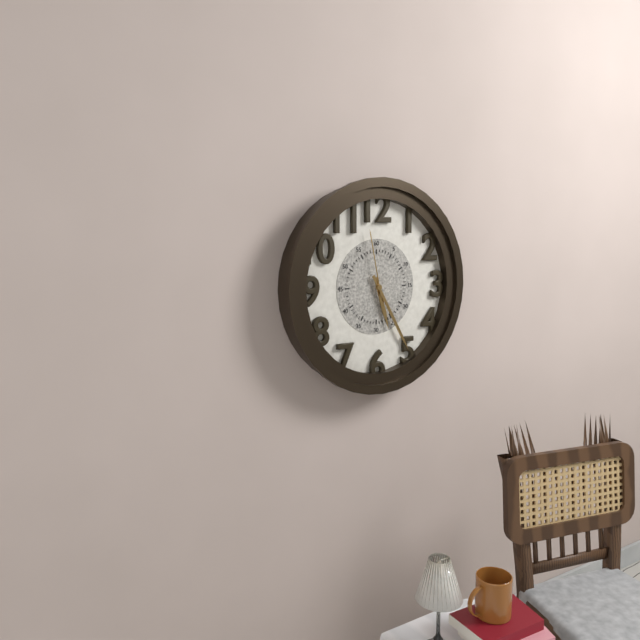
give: {"hour": 5, "minute": 25, "second": 58}
